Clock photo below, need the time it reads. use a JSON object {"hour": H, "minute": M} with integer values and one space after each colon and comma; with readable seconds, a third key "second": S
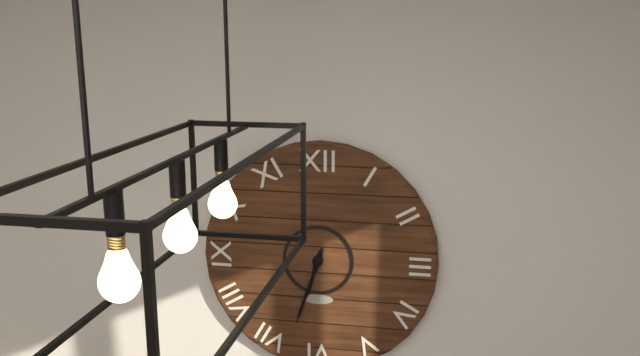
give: {"hour": 6, "minute": 33}
